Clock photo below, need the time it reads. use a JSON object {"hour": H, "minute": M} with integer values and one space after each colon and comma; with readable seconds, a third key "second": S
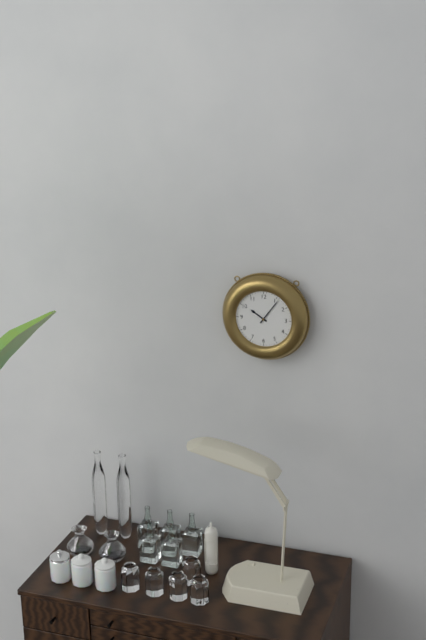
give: {"hour": 10, "minute": 6}
